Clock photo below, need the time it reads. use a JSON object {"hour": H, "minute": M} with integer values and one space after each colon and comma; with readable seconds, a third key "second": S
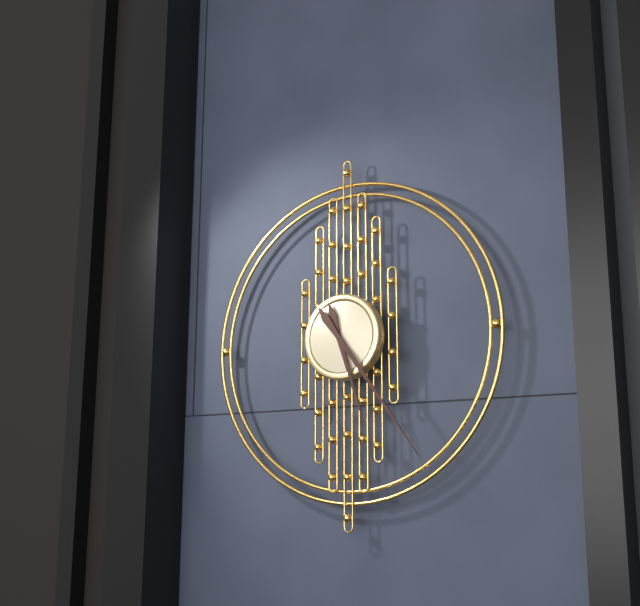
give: {"hour": 5, "minute": 24}
